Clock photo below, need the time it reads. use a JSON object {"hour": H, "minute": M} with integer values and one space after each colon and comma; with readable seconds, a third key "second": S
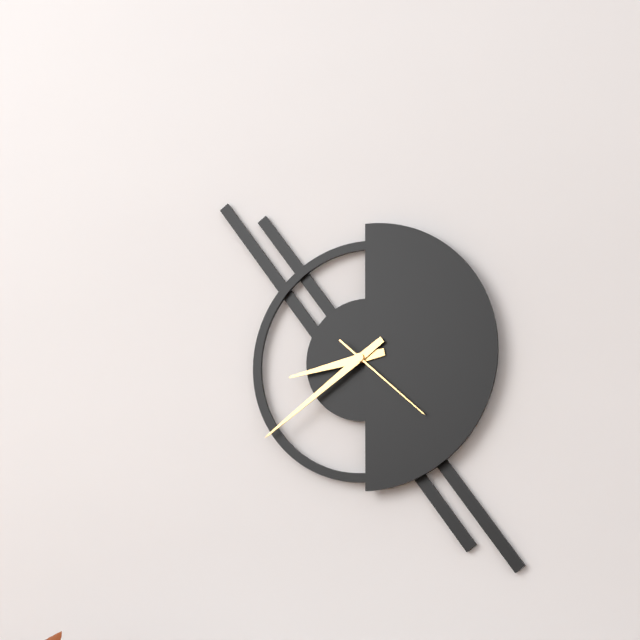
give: {"hour": 8, "minute": 39, "second": 22}
